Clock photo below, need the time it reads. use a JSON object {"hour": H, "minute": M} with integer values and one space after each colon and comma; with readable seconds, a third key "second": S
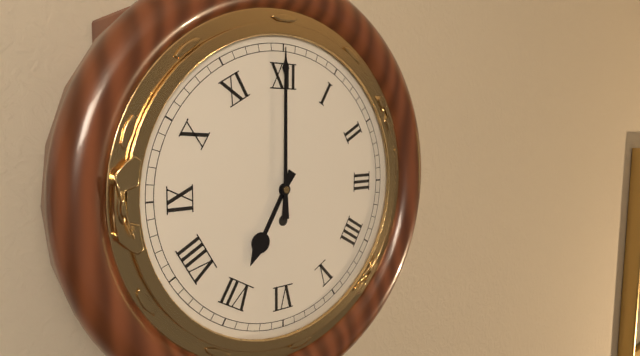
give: {"hour": 7, "minute": 0}
